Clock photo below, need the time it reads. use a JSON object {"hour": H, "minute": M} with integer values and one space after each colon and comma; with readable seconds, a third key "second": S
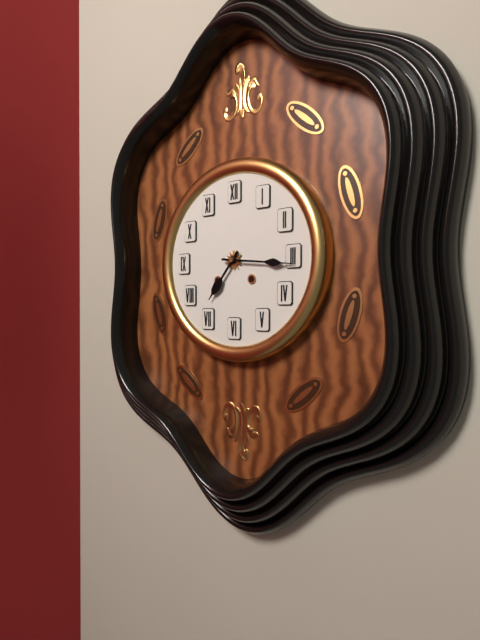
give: {"hour": 7, "minute": 16}
